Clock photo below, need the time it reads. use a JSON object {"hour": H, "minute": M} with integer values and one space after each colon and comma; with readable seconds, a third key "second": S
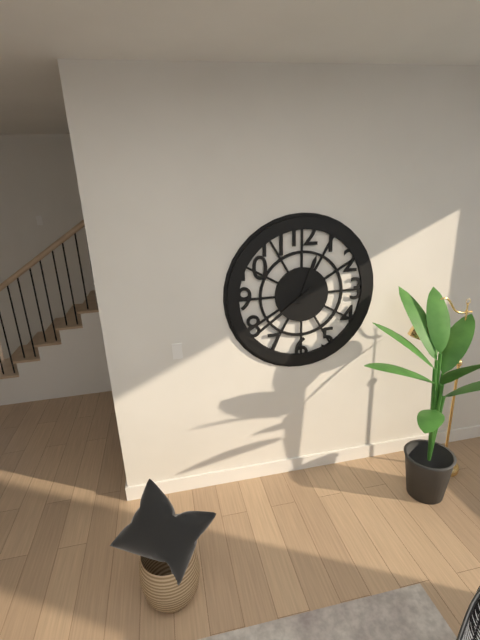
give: {"hour": 12, "minute": 39}
